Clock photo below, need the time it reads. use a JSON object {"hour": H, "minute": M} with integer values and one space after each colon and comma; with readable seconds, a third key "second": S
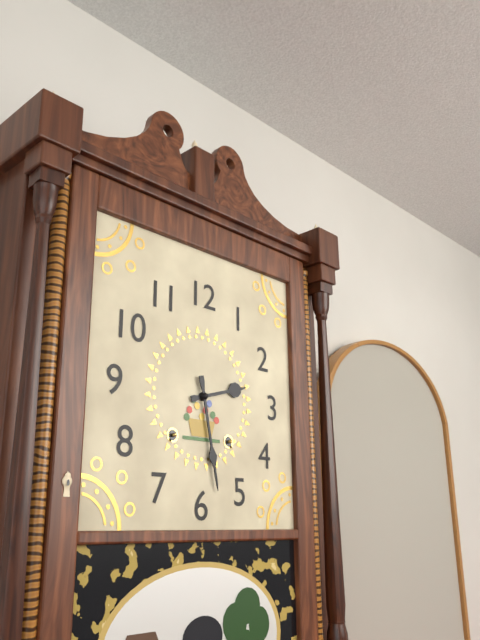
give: {"hour": 2, "minute": 28}
